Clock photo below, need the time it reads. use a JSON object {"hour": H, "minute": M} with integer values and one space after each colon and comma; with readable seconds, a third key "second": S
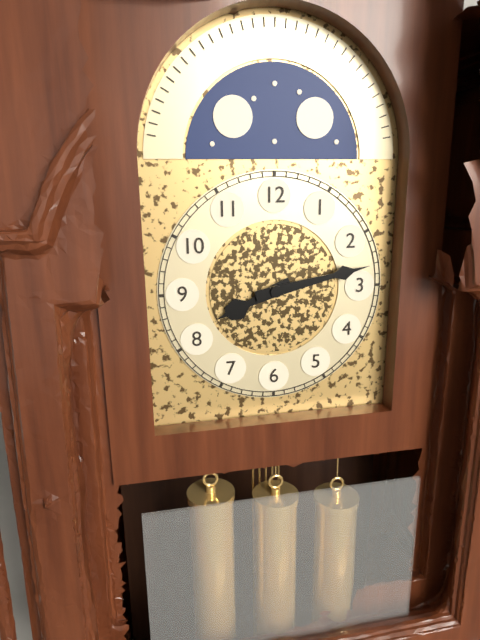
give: {"hour": 8, "minute": 13}
